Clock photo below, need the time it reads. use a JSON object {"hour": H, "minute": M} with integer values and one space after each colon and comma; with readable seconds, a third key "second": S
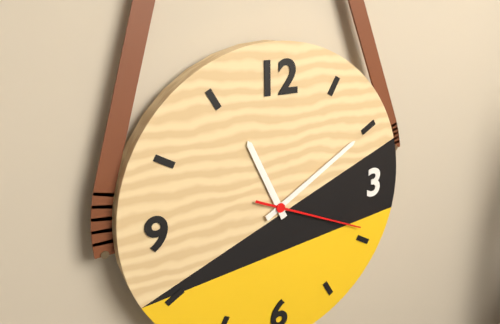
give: {"hour": 11, "minute": 10, "second": 19}
